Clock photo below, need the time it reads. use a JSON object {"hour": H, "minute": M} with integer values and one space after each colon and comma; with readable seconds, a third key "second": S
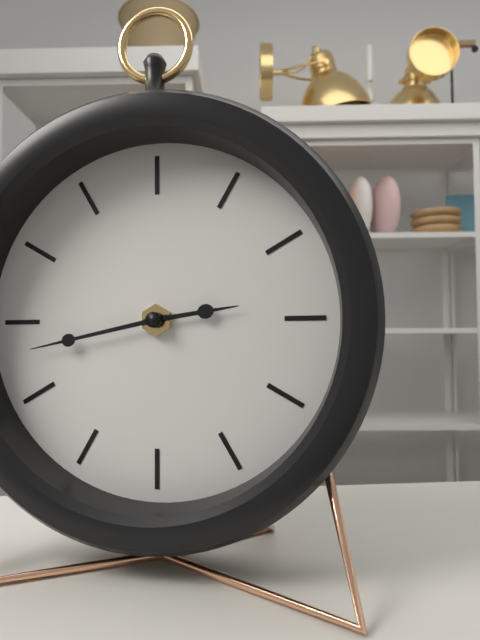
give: {"hour": 2, "minute": 43}
